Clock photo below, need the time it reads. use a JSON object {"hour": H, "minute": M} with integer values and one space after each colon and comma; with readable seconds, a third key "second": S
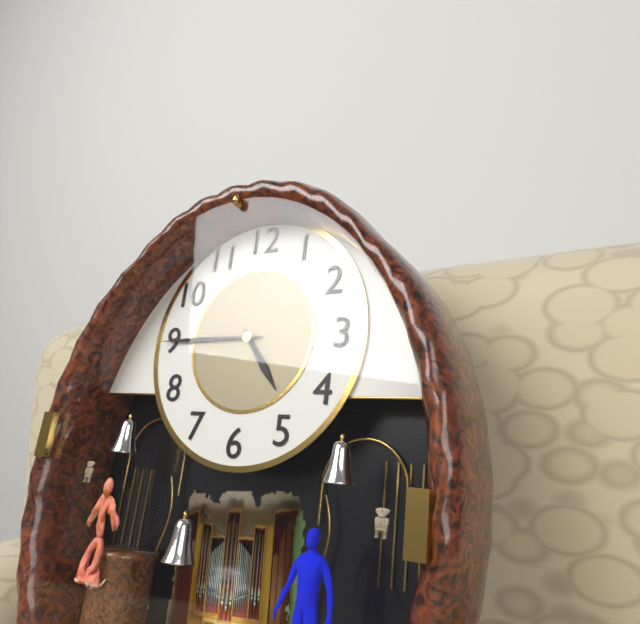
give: {"hour": 4, "minute": 45}
